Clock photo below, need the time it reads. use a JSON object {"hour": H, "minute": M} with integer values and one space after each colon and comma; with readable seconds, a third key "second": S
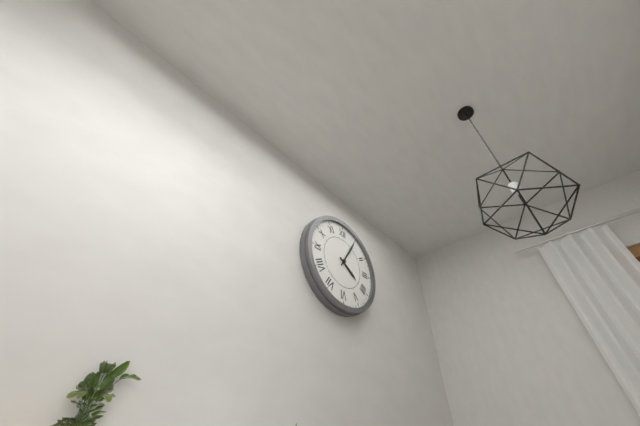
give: {"hour": 4, "minute": 5}
